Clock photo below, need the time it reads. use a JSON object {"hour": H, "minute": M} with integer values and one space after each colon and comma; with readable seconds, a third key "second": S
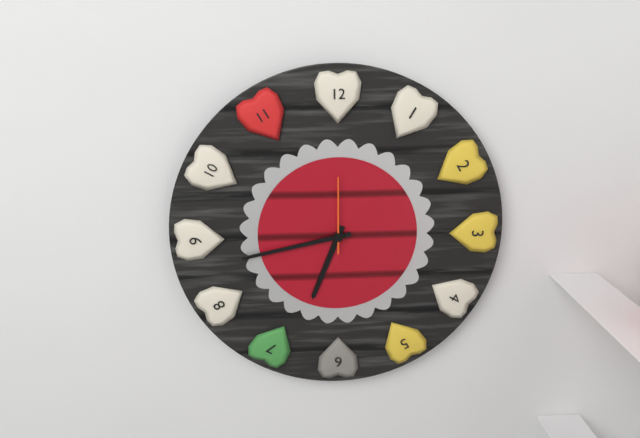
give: {"hour": 6, "minute": 43, "second": 0}
